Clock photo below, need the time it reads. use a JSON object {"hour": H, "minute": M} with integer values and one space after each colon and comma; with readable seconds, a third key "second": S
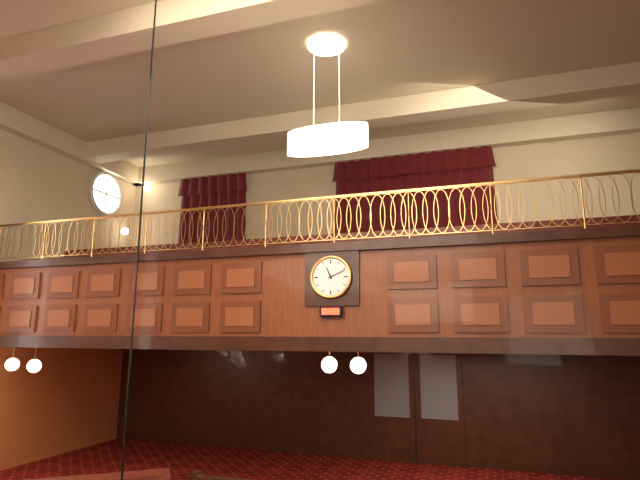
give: {"hour": 11, "minute": 11}
